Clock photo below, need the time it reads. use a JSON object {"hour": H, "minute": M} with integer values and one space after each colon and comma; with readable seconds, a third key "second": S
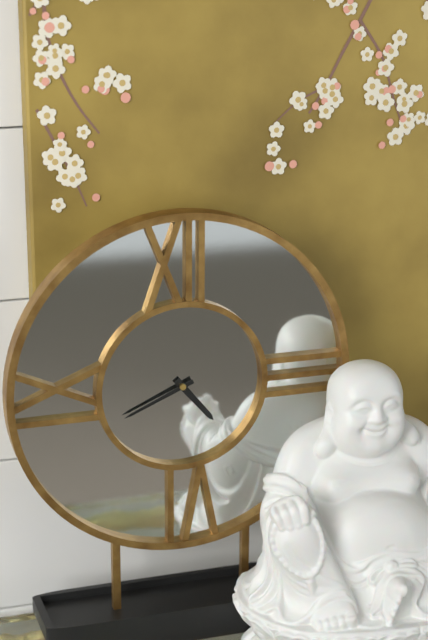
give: {"hour": 4, "minute": 41}
